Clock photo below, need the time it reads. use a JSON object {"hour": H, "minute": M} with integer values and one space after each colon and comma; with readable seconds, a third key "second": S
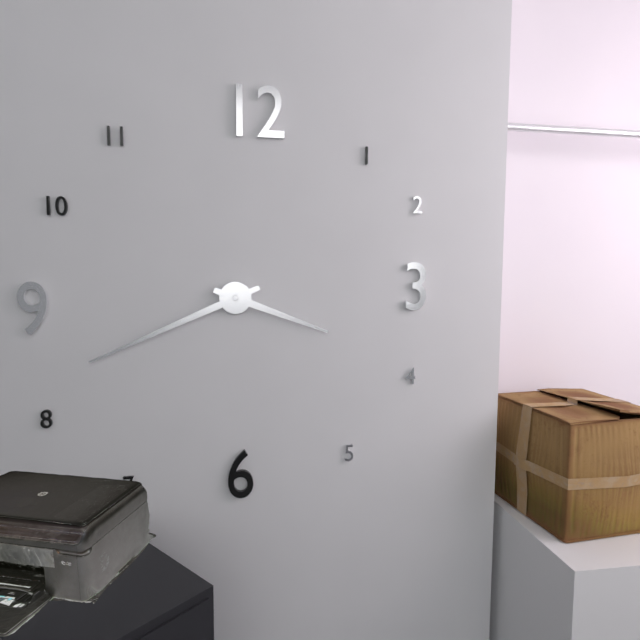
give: {"hour": 3, "minute": 41}
